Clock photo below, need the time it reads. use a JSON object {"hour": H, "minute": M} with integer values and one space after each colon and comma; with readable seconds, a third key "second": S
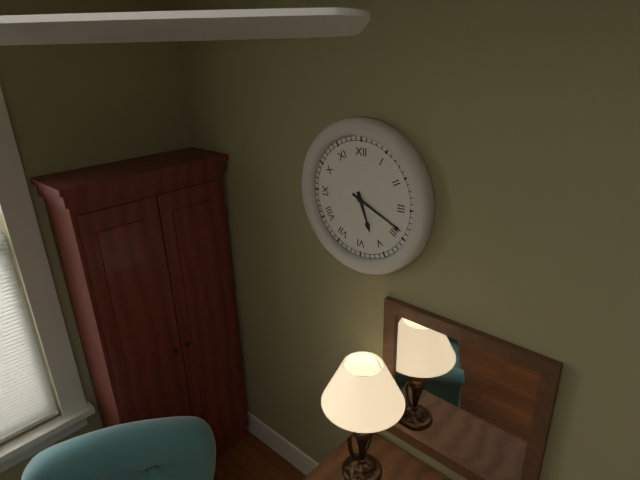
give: {"hour": 5, "minute": 19}
